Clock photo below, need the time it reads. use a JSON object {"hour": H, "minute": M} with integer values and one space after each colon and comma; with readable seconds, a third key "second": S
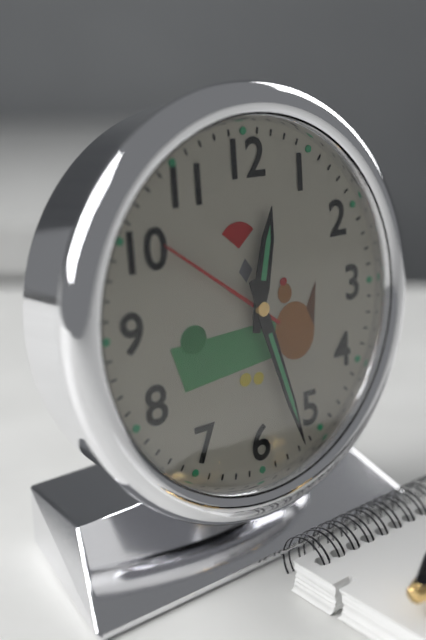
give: {"hour": 12, "minute": 27}
